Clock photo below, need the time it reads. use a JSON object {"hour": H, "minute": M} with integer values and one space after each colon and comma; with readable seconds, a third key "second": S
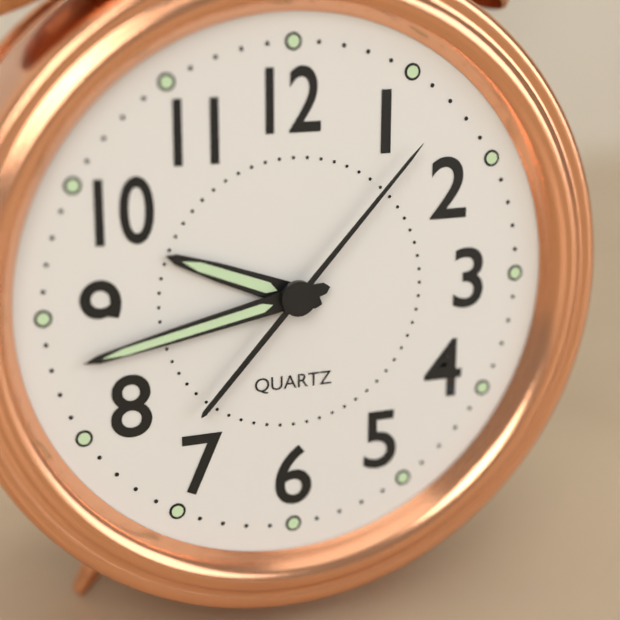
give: {"hour": 9, "minute": 43, "second": 7}
